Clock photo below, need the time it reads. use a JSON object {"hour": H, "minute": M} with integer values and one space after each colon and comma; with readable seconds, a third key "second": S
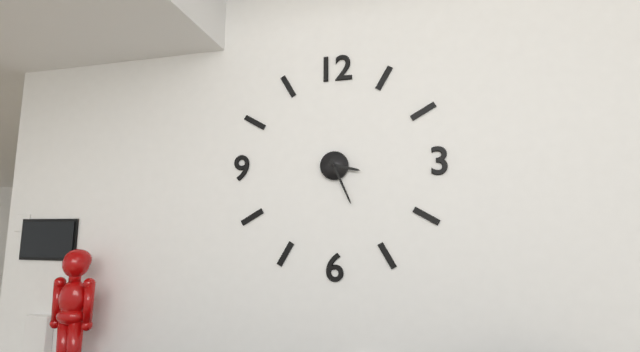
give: {"hour": 3, "minute": 26}
